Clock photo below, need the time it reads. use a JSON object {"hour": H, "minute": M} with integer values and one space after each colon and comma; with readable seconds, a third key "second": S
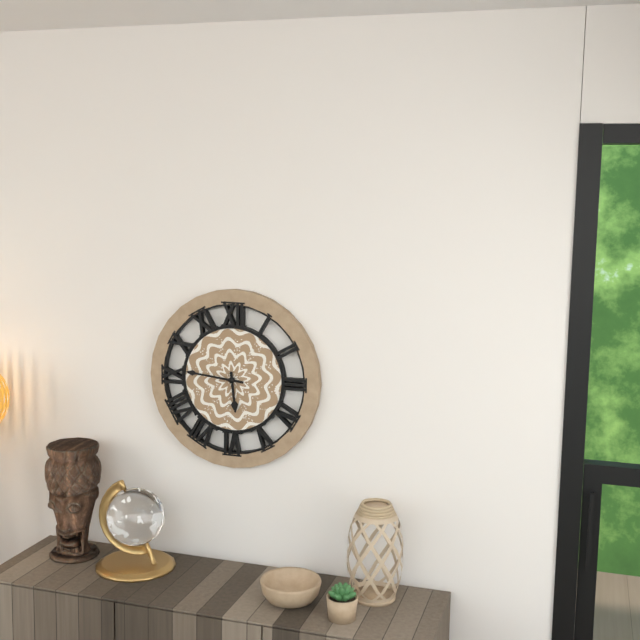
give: {"hour": 5, "minute": 46}
